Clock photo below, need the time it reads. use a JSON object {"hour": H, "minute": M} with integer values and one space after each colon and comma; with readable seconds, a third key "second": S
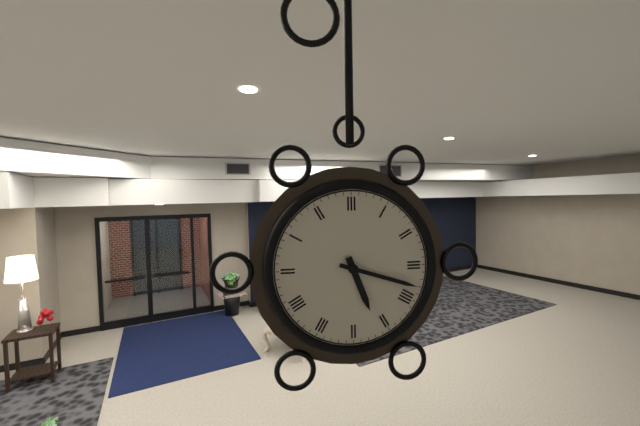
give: {"hour": 5, "minute": 18}
